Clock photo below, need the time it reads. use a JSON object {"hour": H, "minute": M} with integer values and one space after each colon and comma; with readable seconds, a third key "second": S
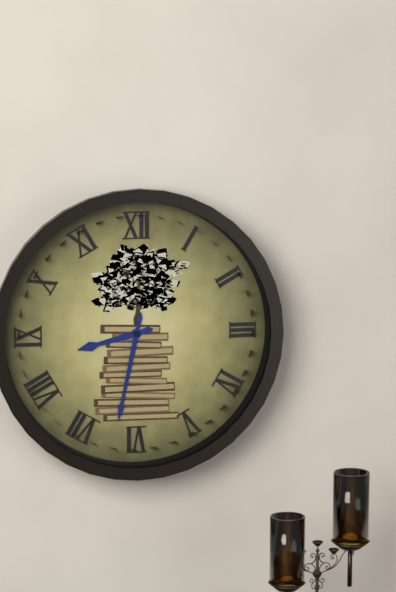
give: {"hour": 8, "minute": 32}
